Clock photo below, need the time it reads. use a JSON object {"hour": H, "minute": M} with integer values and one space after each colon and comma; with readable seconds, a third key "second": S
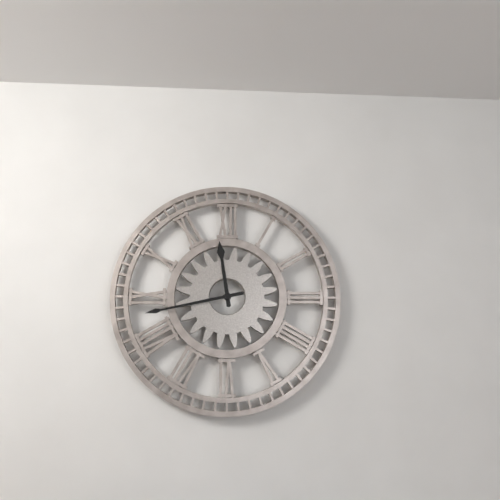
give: {"hour": 11, "minute": 43}
